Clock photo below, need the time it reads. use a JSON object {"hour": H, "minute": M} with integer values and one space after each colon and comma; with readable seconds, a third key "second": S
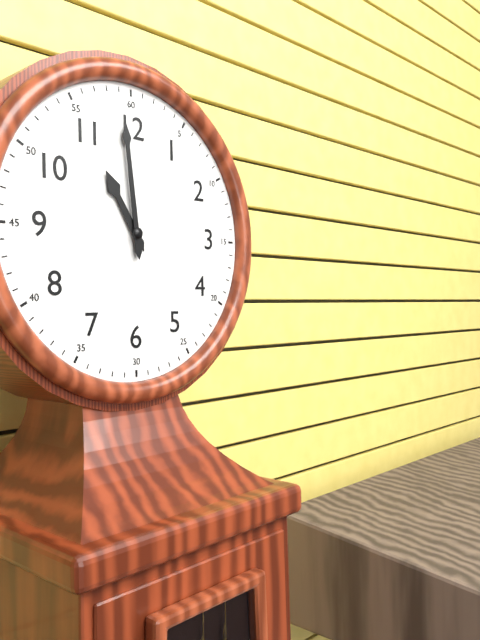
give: {"hour": 10, "minute": 59}
